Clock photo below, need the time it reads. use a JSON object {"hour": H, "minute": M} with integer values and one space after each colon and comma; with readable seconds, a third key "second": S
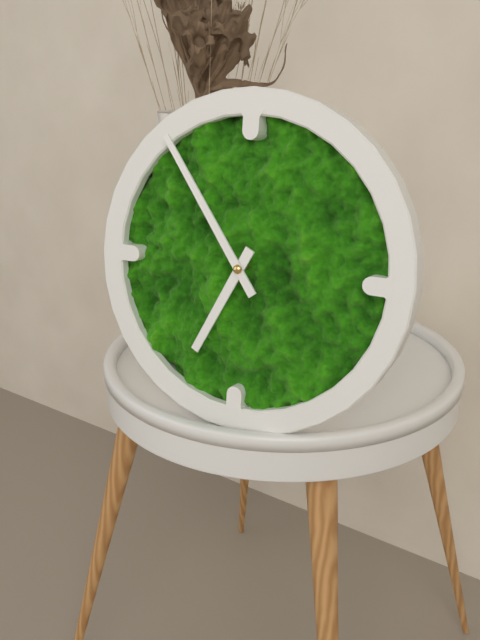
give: {"hour": 6, "minute": 54}
